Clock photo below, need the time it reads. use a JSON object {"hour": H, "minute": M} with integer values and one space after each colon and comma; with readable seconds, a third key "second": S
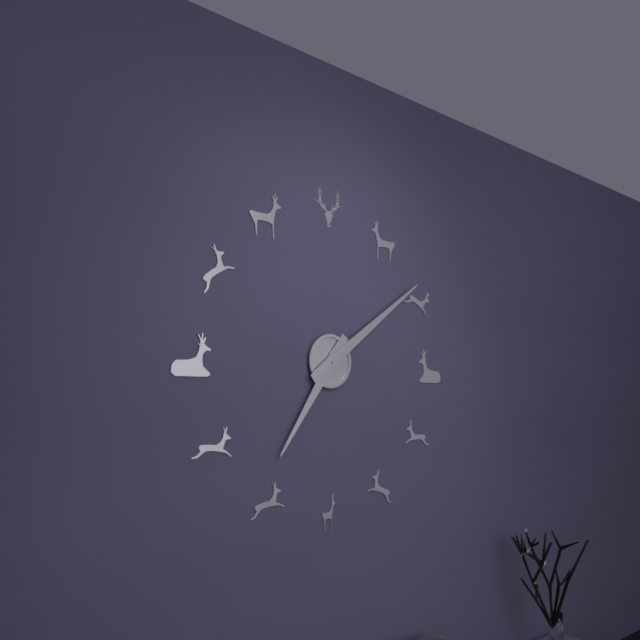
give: {"hour": 7, "minute": 9}
